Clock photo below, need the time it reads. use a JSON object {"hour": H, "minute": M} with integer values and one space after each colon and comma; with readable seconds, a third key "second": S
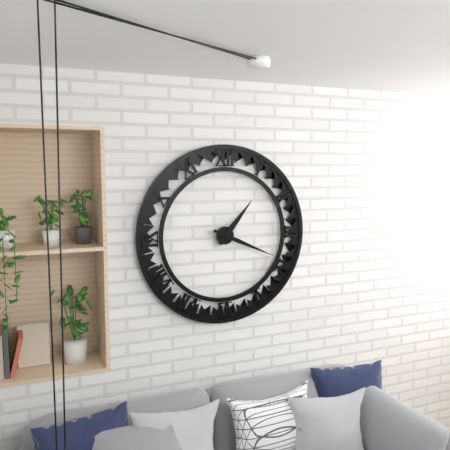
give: {"hour": 1, "minute": 19}
